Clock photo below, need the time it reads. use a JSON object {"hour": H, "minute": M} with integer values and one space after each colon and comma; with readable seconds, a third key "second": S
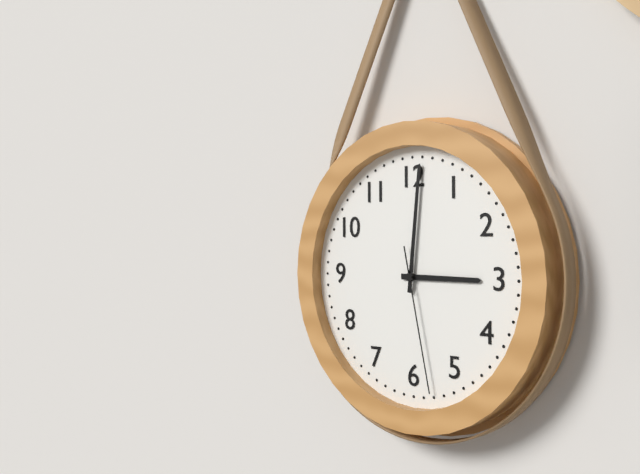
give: {"hour": 3, "minute": 1, "second": 28}
